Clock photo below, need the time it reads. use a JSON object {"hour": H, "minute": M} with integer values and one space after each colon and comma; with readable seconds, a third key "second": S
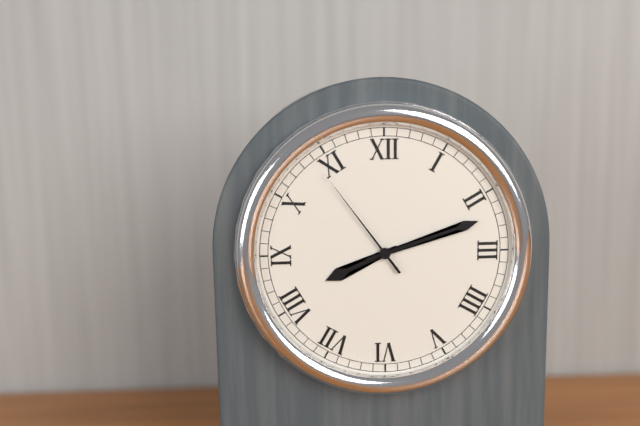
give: {"hour": 8, "minute": 12, "second": 54}
